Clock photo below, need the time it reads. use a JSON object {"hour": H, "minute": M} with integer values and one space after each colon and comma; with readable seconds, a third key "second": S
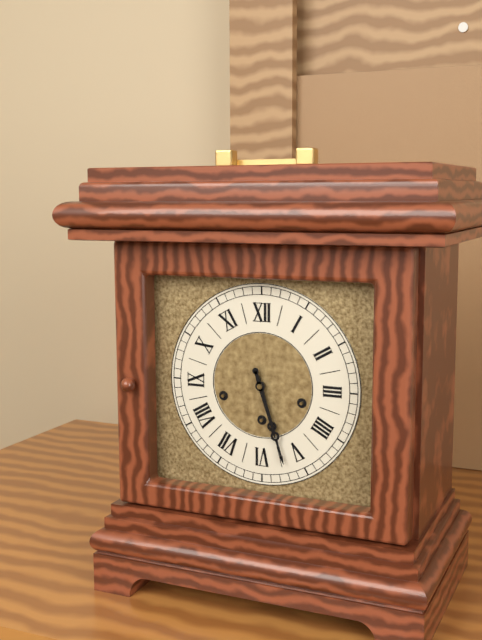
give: {"hour": 5, "minute": 27}
